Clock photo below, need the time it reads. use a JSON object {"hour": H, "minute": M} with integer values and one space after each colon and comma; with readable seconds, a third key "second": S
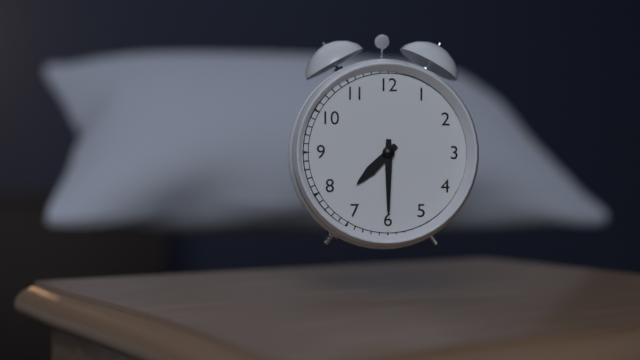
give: {"hour": 7, "minute": 30}
